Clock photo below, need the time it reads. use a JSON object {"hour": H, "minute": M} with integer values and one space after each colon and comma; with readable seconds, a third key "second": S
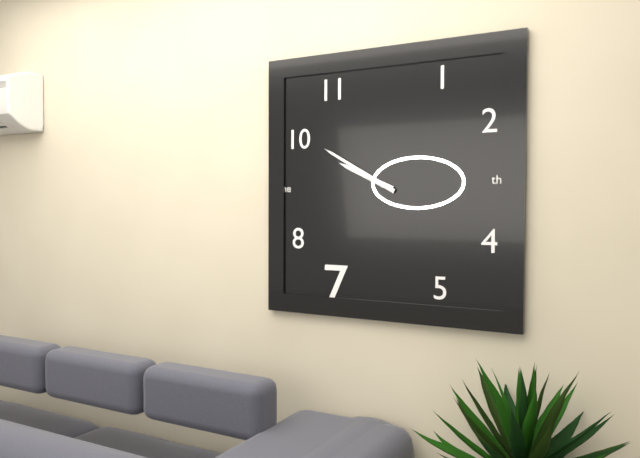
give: {"hour": 9, "minute": 50}
